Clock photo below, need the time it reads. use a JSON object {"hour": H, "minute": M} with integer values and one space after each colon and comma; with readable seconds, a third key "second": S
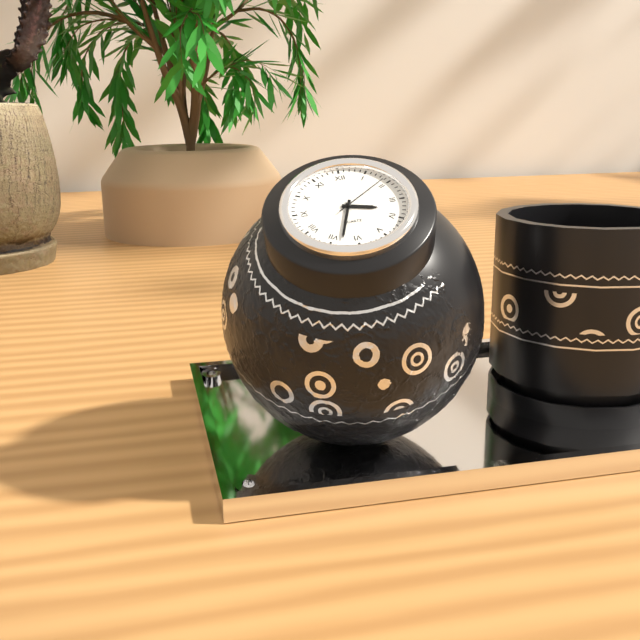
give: {"hour": 3, "minute": 33, "second": 9}
